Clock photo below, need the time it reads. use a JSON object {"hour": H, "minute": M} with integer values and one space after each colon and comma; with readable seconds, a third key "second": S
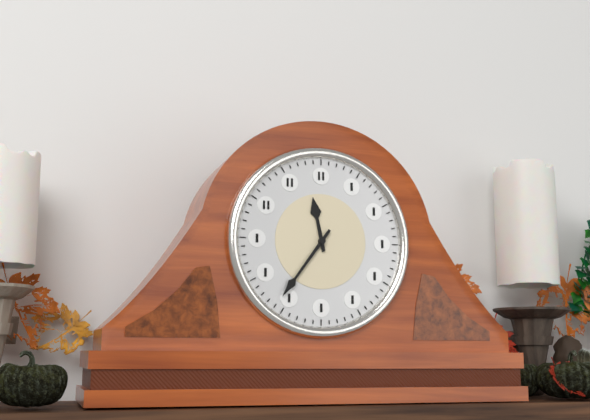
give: {"hour": 11, "minute": 36}
